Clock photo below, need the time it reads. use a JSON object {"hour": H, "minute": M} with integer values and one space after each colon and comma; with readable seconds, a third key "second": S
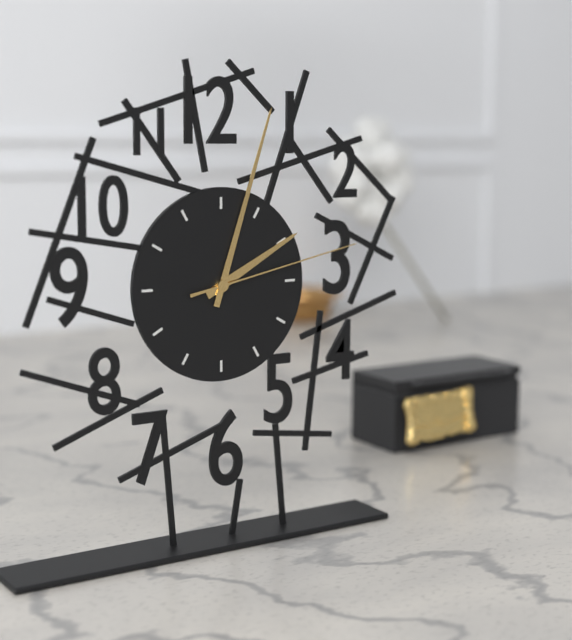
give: {"hour": 2, "minute": 3, "second": 13}
